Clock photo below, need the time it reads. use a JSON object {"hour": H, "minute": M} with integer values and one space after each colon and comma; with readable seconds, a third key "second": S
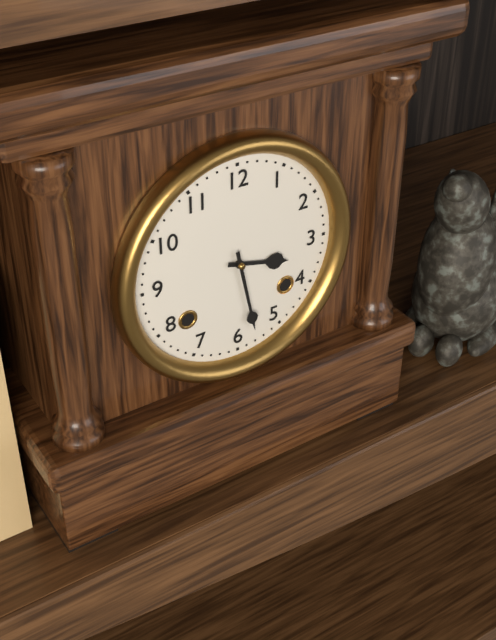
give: {"hour": 3, "minute": 28}
